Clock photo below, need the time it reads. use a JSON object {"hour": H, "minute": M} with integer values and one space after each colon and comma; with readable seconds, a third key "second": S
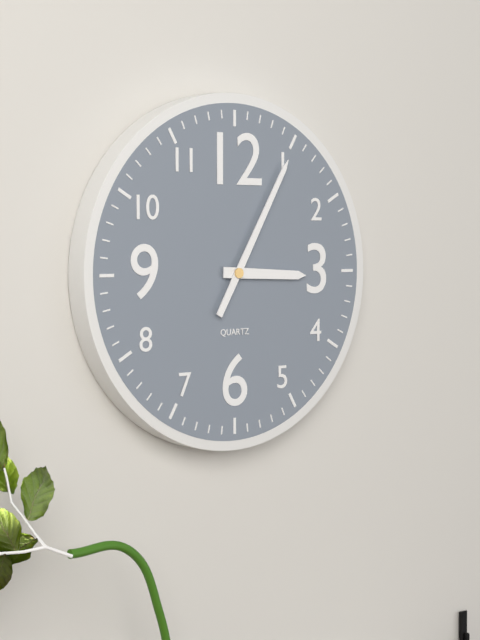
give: {"hour": 3, "minute": 5}
